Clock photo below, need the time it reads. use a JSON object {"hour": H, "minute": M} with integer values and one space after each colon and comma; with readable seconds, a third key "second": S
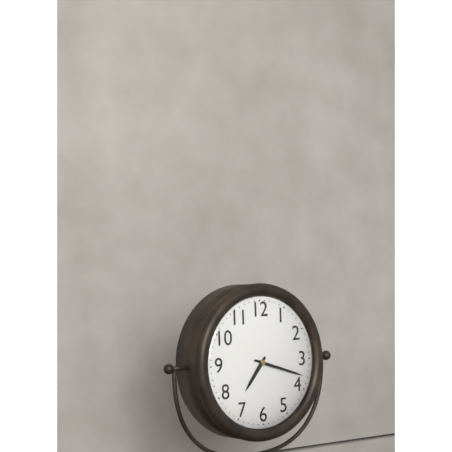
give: {"hour": 7, "minute": 18}
